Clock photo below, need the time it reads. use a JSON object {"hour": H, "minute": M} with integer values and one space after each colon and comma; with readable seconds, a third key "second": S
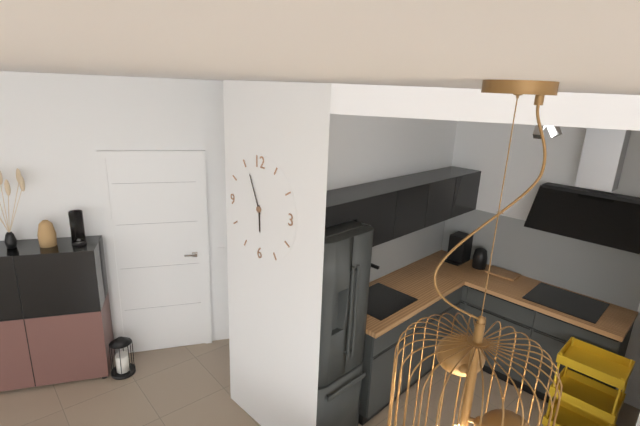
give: {"hour": 5, "minute": 56}
